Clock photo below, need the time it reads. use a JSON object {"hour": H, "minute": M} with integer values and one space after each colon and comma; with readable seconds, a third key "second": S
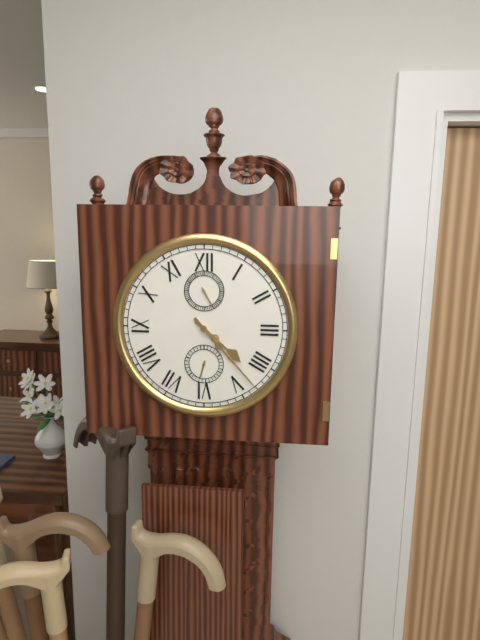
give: {"hour": 4, "minute": 23}
